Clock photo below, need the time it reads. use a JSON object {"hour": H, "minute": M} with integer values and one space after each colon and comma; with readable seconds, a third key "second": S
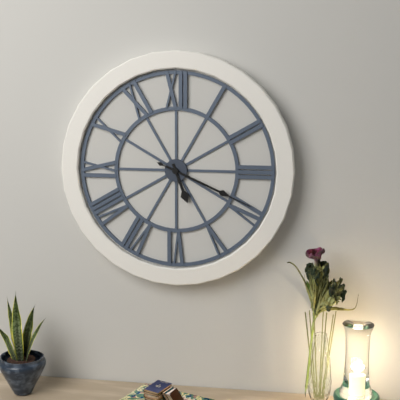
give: {"hour": 5, "minute": 19, "second": 19}
